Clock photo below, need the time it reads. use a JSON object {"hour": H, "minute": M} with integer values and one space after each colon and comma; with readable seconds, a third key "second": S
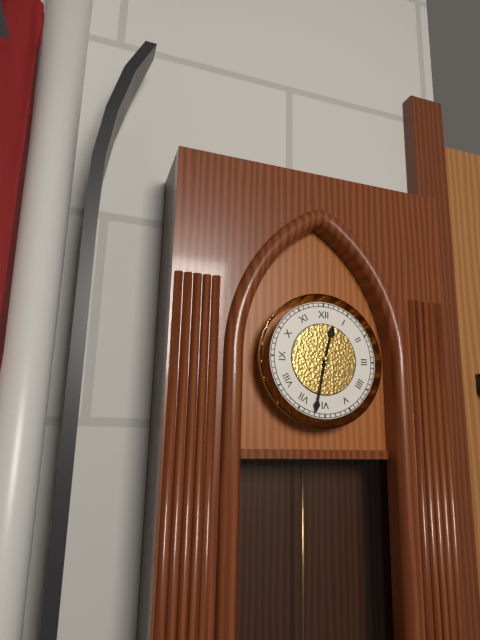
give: {"hour": 12, "minute": 32}
